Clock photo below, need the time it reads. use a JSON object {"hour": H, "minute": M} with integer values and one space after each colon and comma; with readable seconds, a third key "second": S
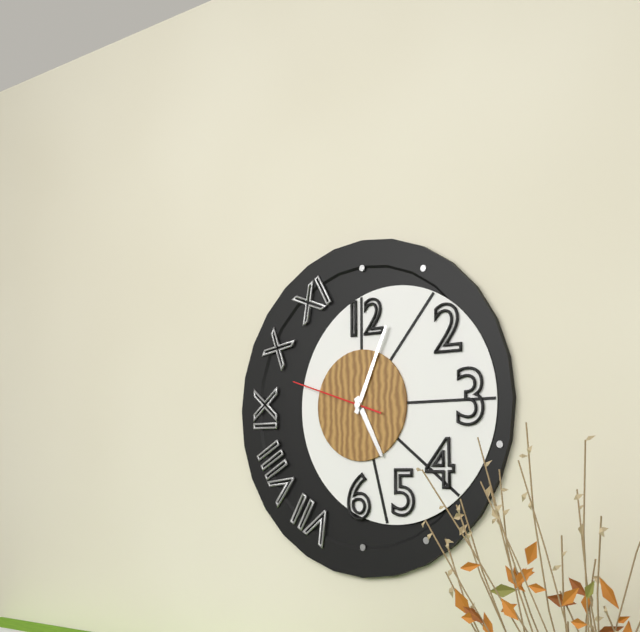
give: {"hour": 5, "minute": 4, "second": 48}
